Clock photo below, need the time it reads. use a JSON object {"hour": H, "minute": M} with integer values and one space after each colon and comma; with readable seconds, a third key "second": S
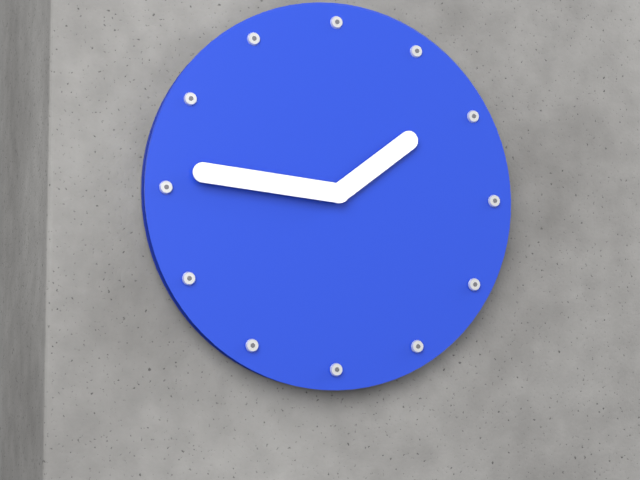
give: {"hour": 1, "minute": 46}
